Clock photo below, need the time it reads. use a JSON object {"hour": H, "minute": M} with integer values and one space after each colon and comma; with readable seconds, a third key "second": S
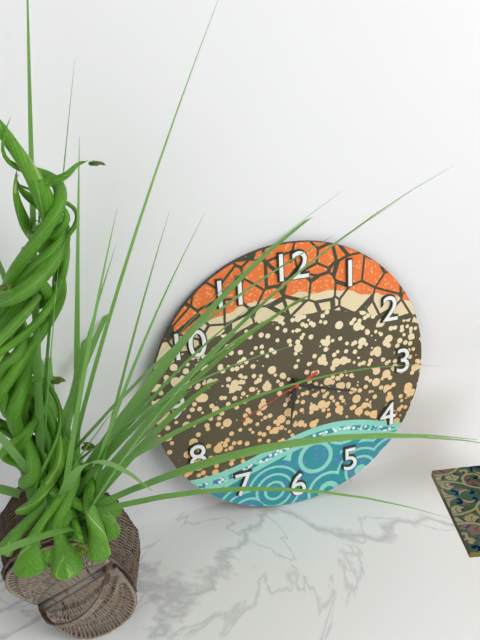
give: {"hour": 6, "minute": 18, "second": 41}
